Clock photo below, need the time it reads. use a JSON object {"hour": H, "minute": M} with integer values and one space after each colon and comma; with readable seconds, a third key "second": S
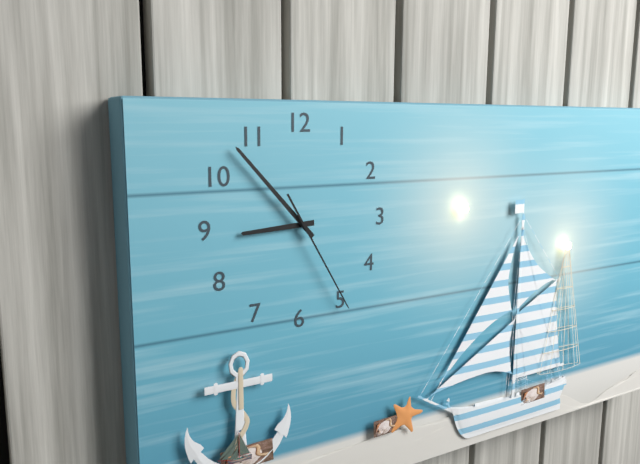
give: {"hour": 8, "minute": 53, "second": 25}
